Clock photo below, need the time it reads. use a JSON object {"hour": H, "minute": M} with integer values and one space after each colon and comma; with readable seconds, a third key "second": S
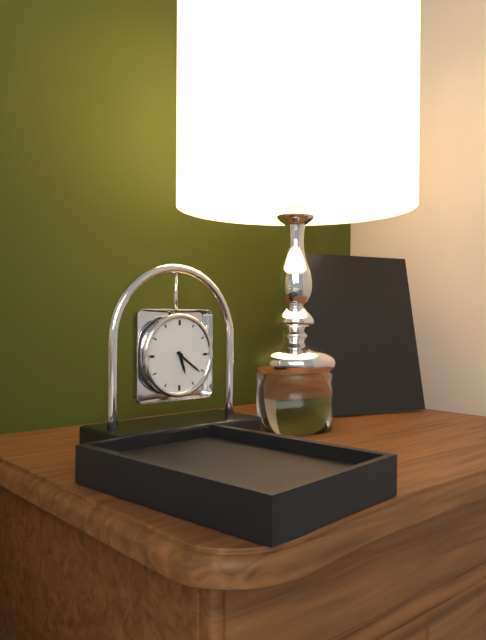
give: {"hour": 5, "minute": 21}
